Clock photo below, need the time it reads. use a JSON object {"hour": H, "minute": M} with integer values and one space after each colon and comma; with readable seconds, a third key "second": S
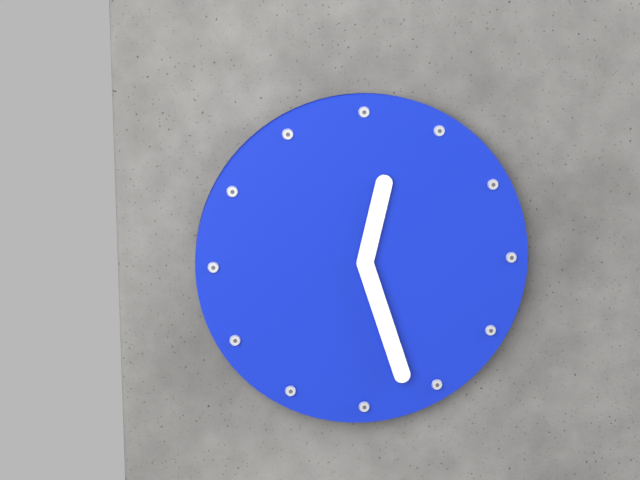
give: {"hour": 12, "minute": 27}
